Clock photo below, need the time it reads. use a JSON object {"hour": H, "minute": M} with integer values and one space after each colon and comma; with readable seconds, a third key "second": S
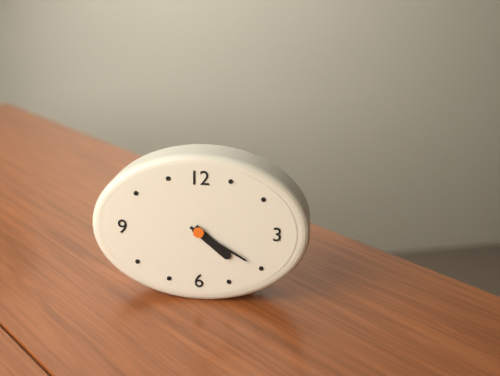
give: {"hour": 4, "minute": 20}
